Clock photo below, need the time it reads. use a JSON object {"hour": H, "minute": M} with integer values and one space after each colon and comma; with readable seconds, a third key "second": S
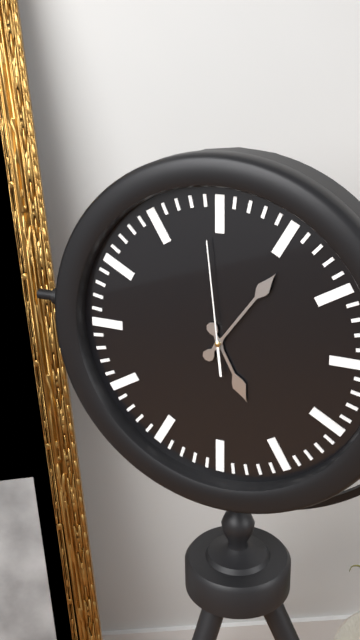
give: {"hour": 5, "minute": 6, "second": 59}
